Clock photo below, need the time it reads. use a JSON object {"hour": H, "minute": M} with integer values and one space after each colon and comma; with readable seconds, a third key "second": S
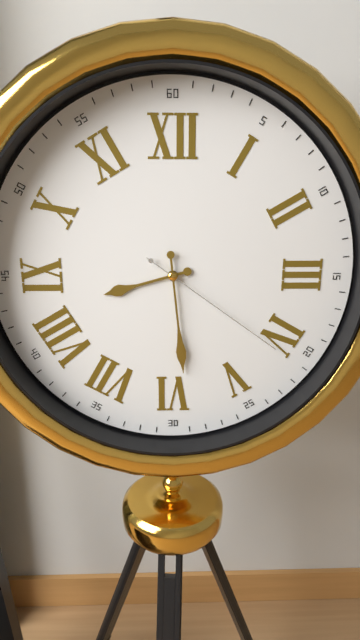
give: {"hour": 8, "minute": 29, "second": 21}
